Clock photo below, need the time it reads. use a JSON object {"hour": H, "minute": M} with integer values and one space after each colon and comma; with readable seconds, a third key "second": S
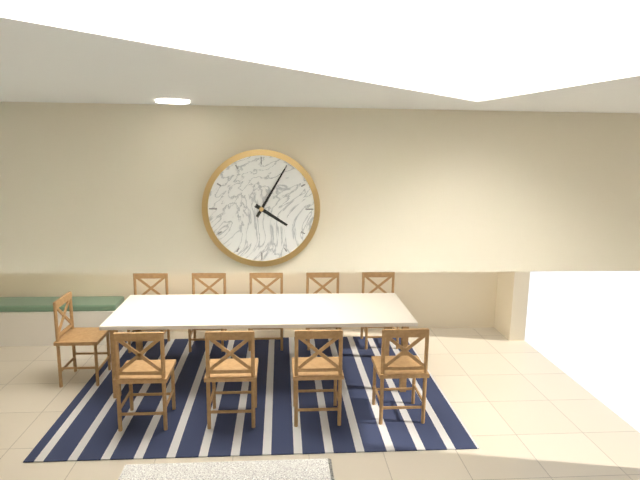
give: {"hour": 4, "minute": 5}
